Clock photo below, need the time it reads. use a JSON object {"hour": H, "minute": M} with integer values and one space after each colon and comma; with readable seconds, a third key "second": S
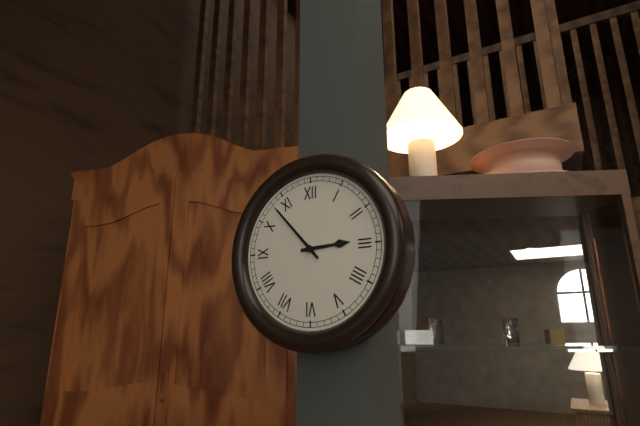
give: {"hour": 2, "minute": 53}
